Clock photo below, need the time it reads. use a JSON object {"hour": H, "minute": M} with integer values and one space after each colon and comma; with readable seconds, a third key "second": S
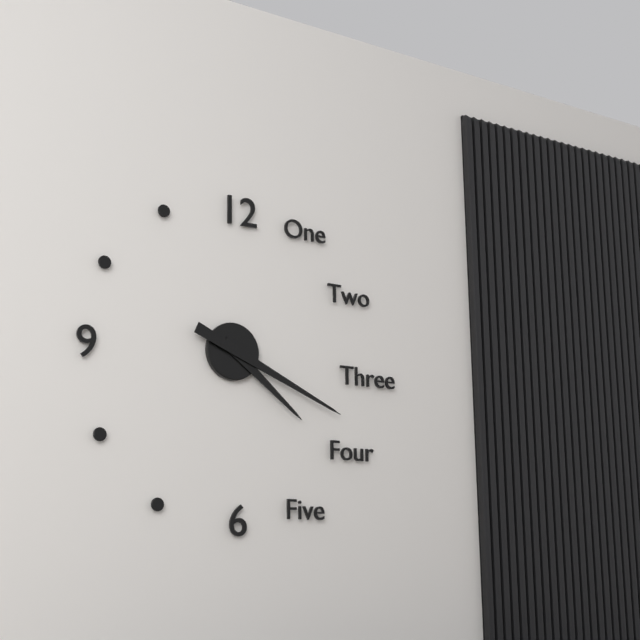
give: {"hour": 4, "minute": 19}
